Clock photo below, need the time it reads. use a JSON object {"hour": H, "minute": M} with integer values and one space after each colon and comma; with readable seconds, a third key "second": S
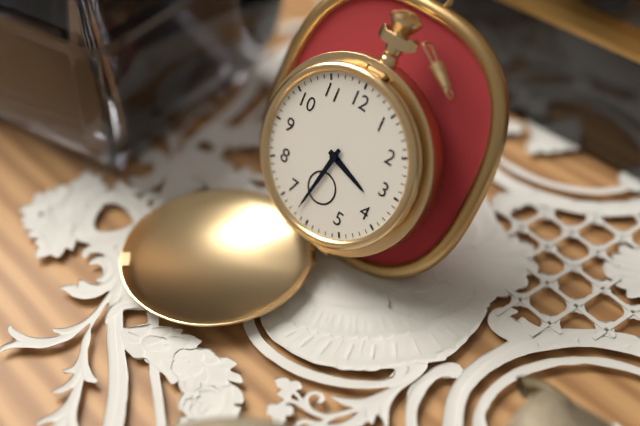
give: {"hour": 3, "minute": 32}
